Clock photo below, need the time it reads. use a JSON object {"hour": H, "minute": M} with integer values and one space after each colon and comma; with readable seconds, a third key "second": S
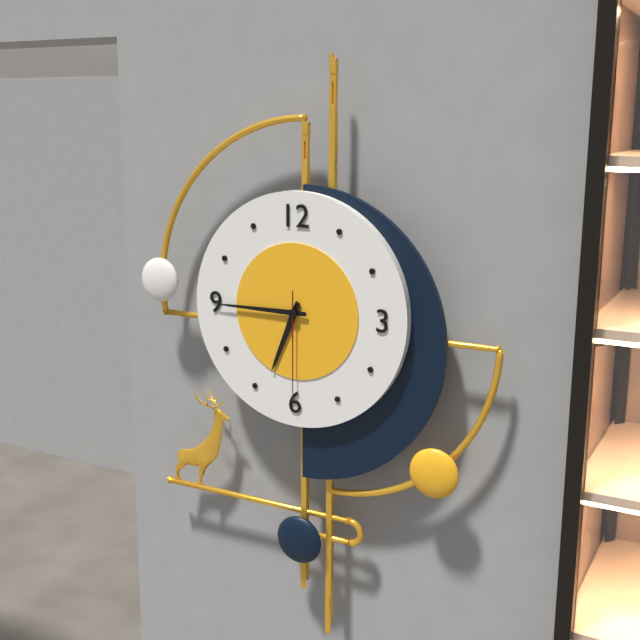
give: {"hour": 6, "minute": 45, "second": 30}
